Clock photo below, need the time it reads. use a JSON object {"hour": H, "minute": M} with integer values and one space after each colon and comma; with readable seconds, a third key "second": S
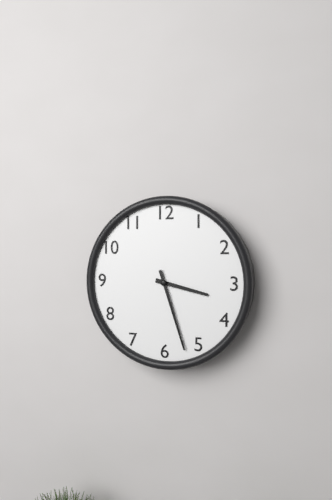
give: {"hour": 3, "minute": 27}
